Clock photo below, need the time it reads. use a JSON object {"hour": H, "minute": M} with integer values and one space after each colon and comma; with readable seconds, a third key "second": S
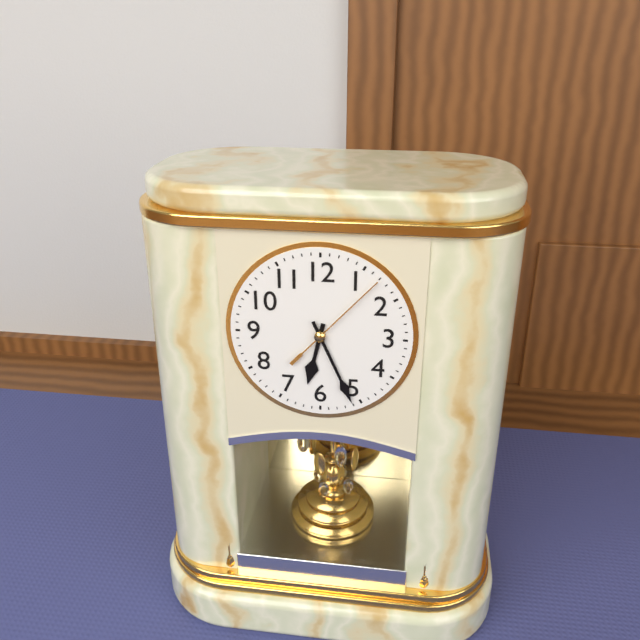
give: {"hour": 6, "minute": 26, "second": 7}
